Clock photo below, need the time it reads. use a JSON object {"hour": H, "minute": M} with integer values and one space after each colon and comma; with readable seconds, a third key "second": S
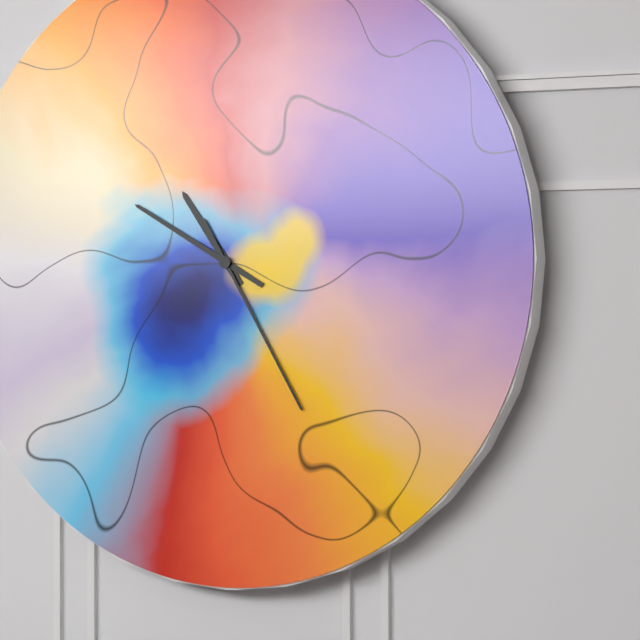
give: {"hour": 10, "minute": 50, "second": 25}
